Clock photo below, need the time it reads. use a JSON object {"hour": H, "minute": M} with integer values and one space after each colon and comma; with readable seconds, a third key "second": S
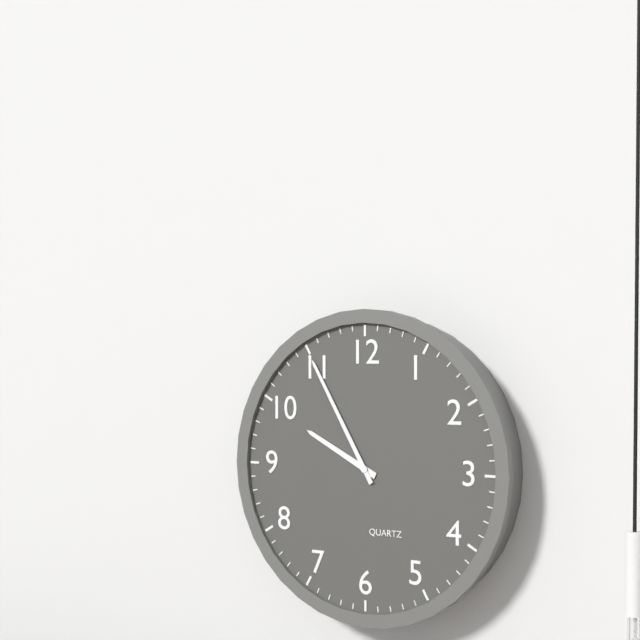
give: {"hour": 9, "minute": 55}
